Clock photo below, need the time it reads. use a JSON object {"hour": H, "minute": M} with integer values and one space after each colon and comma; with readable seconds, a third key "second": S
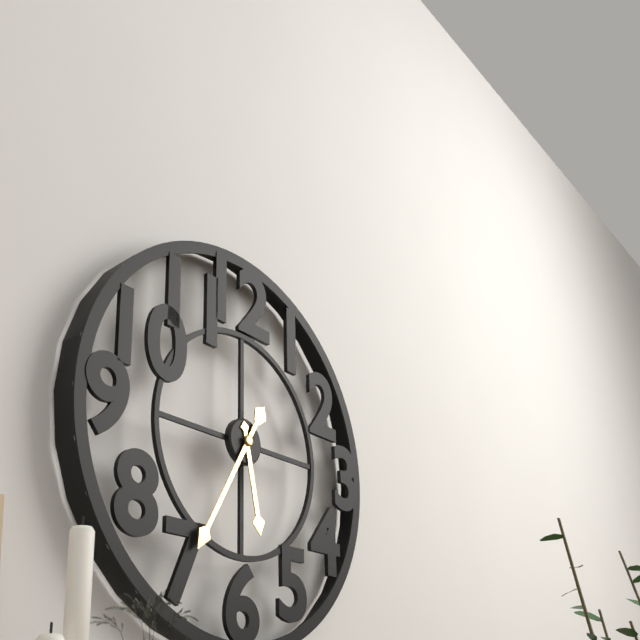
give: {"hour": 5, "minute": 35}
